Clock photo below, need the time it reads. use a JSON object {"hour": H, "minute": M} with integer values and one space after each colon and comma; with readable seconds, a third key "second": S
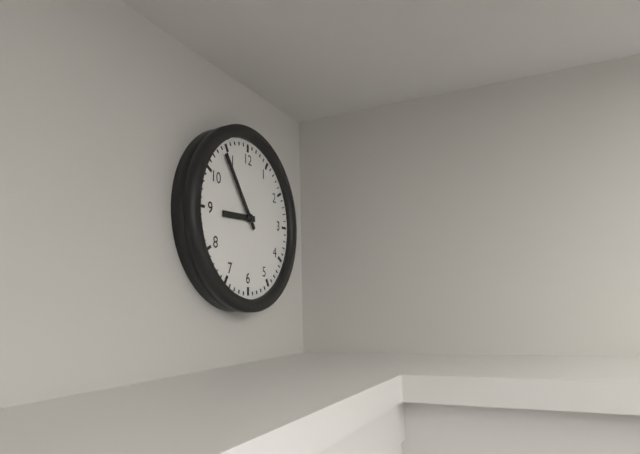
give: {"hour": 8, "minute": 54}
